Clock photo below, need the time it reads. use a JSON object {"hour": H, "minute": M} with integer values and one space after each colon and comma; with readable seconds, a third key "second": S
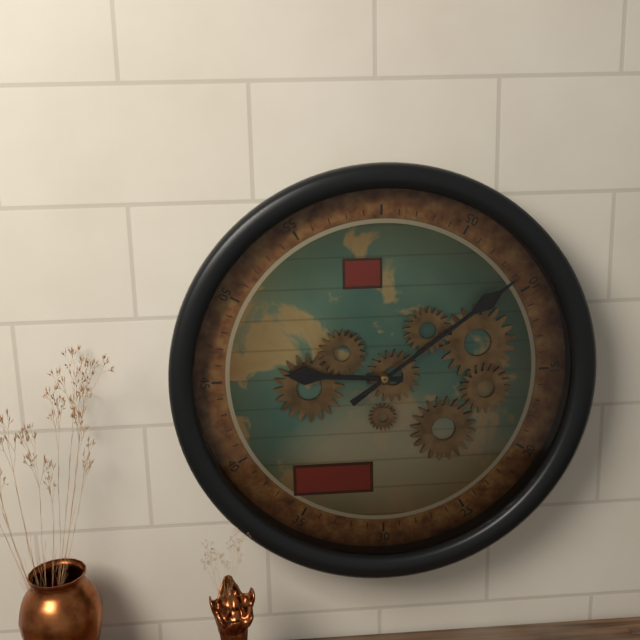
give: {"hour": 9, "minute": 9}
